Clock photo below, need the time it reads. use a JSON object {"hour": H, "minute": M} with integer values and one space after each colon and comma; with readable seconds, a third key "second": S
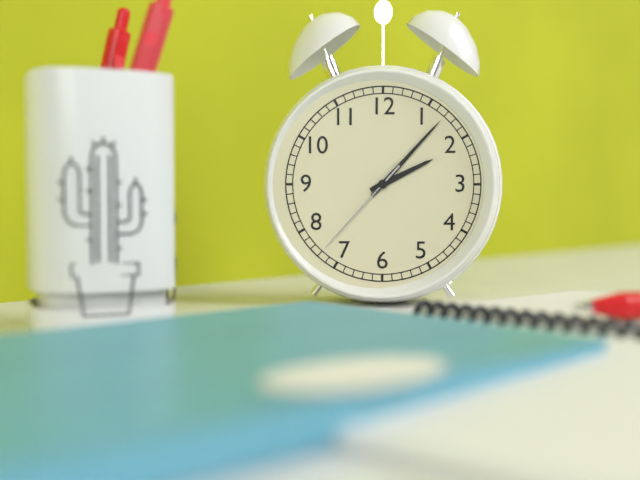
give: {"hour": 2, "minute": 7, "second": 37}
